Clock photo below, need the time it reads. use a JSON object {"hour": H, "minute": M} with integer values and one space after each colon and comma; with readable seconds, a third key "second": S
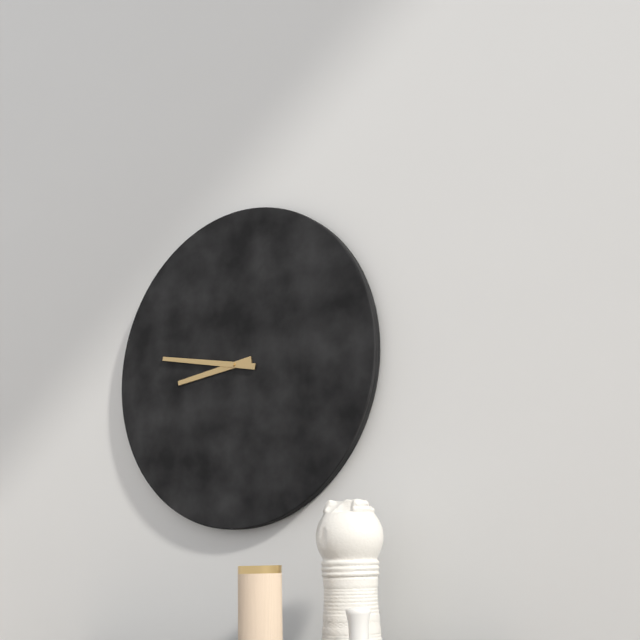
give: {"hour": 8, "minute": 47}
